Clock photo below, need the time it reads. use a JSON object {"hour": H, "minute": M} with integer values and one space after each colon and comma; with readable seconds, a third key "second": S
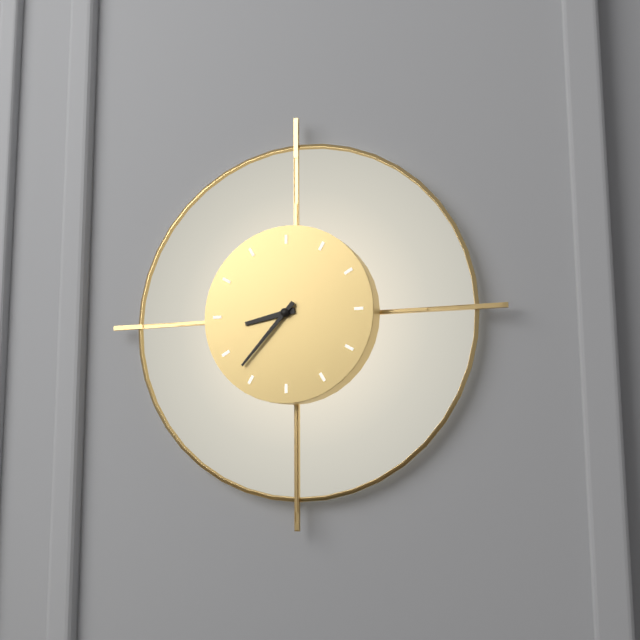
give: {"hour": 8, "minute": 37}
